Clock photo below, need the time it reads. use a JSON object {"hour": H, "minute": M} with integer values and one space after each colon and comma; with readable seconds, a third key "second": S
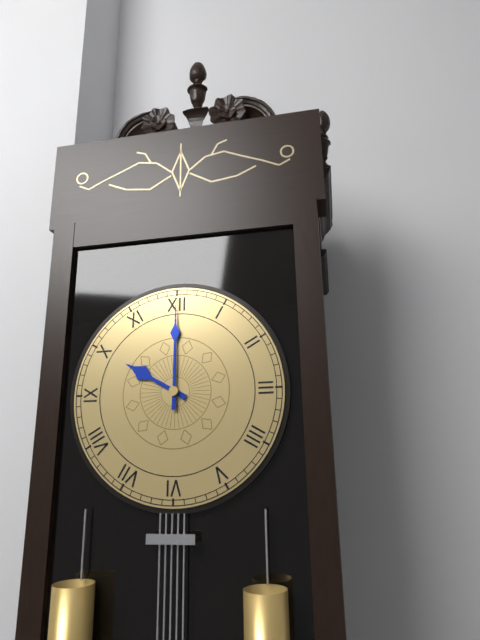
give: {"hour": 10, "minute": 0}
